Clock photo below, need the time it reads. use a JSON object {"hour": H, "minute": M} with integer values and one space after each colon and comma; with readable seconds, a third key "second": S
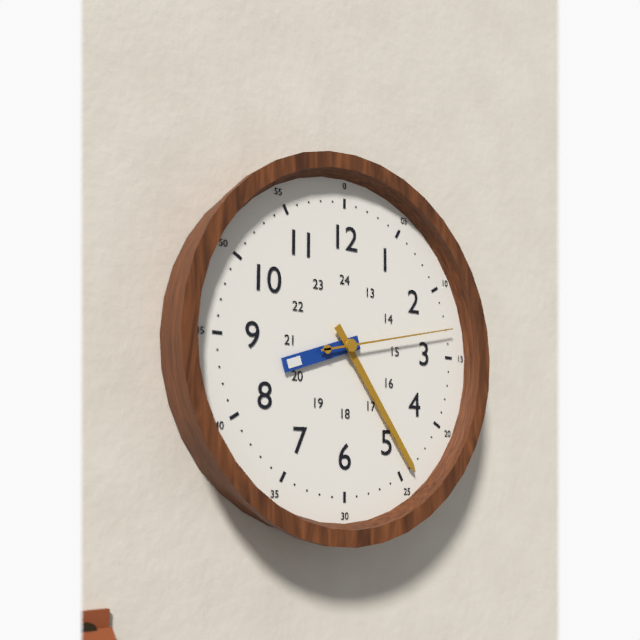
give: {"hour": 8, "minute": 24, "second": 13}
